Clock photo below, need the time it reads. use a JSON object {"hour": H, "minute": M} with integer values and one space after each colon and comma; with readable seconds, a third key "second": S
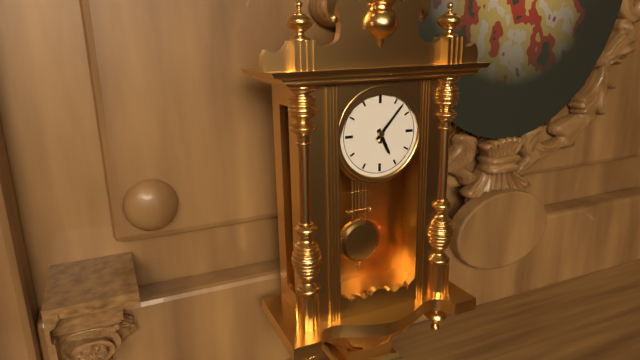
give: {"hour": 5, "minute": 7}
